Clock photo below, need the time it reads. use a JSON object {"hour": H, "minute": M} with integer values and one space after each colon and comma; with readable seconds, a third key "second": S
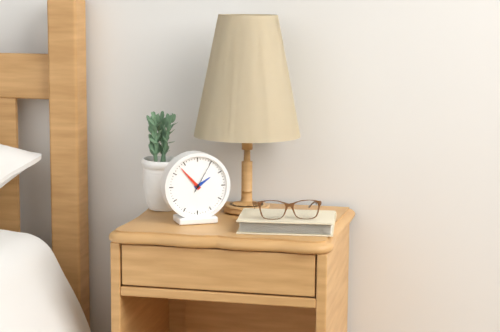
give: {"hour": 1, "minute": 53}
